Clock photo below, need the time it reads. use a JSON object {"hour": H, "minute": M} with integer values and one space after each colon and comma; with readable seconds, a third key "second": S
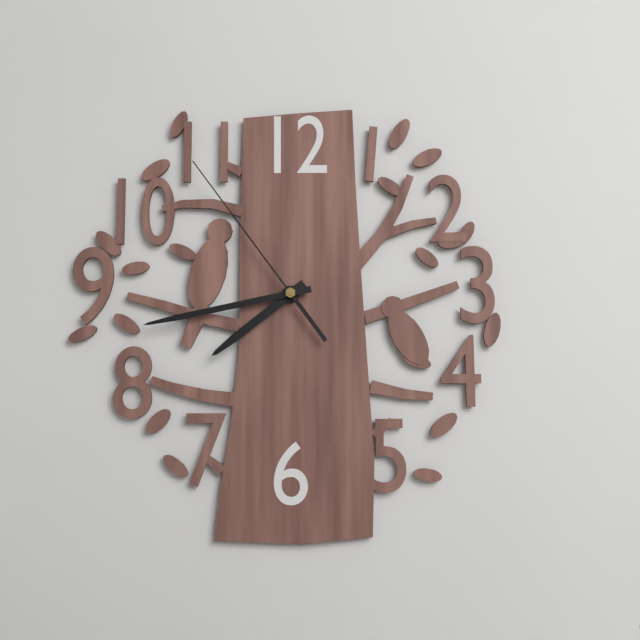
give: {"hour": 7, "minute": 43, "second": 54}
